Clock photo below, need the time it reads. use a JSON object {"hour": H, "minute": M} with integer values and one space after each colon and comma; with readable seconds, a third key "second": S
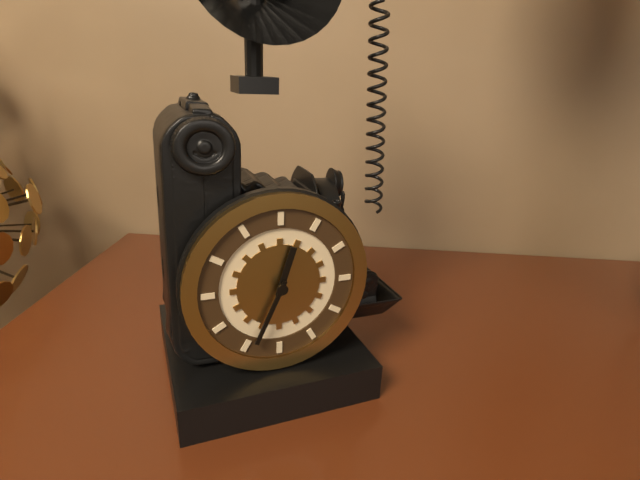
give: {"hour": 12, "minute": 34}
